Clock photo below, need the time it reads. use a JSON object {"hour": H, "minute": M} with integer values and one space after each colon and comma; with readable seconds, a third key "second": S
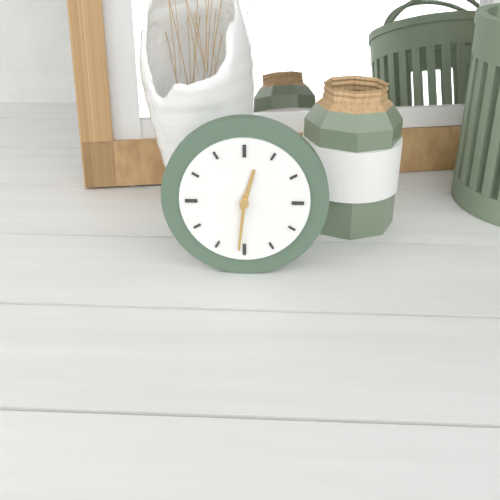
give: {"hour": 12, "minute": 31}
